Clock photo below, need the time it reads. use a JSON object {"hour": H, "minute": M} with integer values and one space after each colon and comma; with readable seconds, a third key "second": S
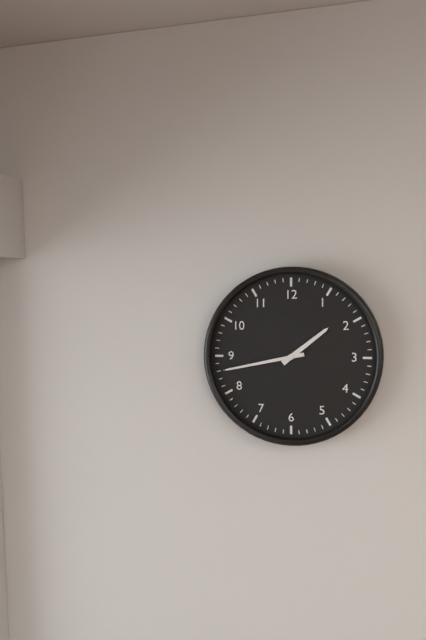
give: {"hour": 1, "minute": 43}
